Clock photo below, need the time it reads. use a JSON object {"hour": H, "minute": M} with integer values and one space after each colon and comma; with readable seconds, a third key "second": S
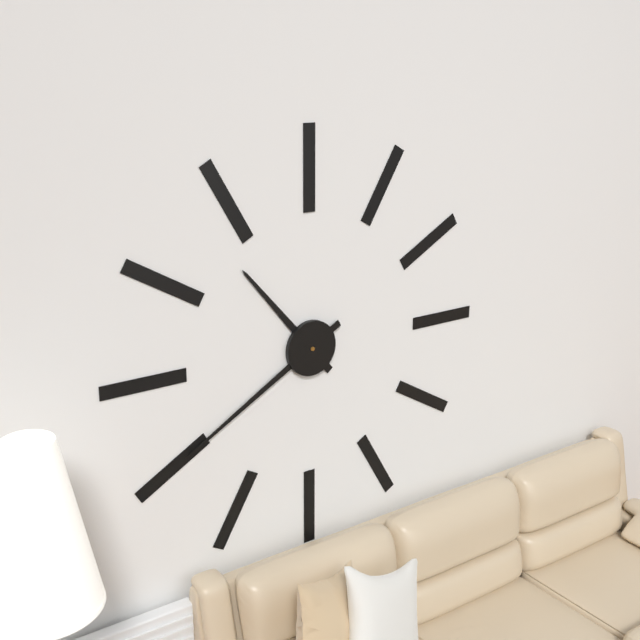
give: {"hour": 10, "minute": 40}
